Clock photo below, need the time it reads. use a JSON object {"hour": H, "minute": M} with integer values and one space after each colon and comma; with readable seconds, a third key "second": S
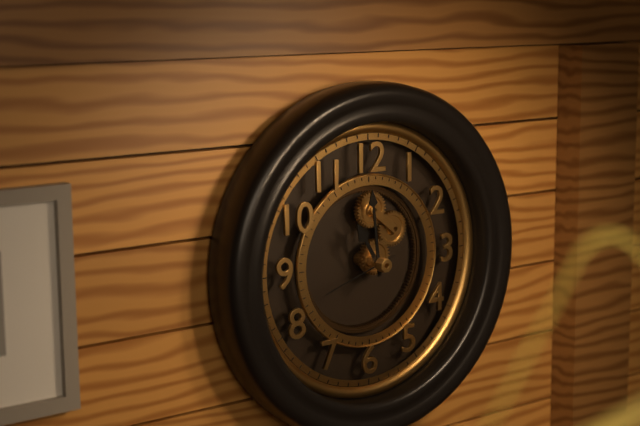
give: {"hour": 10, "minute": 59, "second": 42}
